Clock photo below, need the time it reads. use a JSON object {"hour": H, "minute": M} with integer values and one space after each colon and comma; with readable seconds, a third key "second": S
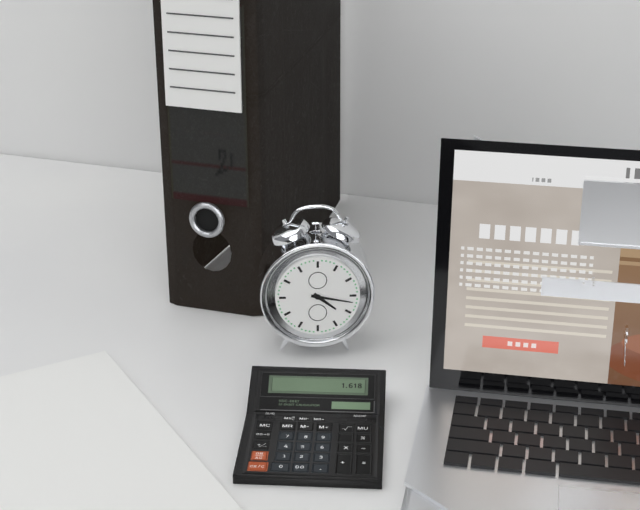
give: {"hour": 4, "minute": 17}
